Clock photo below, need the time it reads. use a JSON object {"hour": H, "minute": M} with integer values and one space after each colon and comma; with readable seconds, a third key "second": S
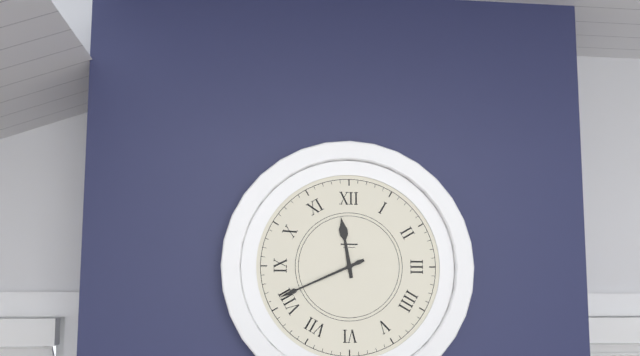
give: {"hour": 11, "minute": 41}
